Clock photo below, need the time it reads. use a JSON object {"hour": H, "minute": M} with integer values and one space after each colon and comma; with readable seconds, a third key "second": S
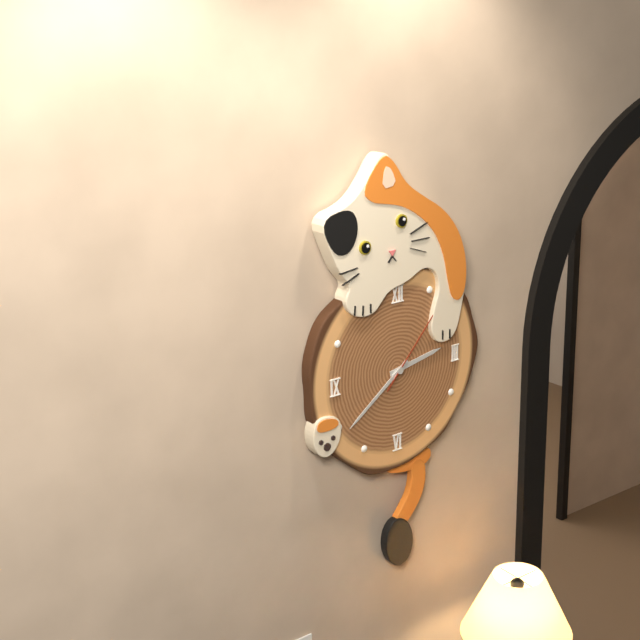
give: {"hour": 2, "minute": 39, "second": 7}
